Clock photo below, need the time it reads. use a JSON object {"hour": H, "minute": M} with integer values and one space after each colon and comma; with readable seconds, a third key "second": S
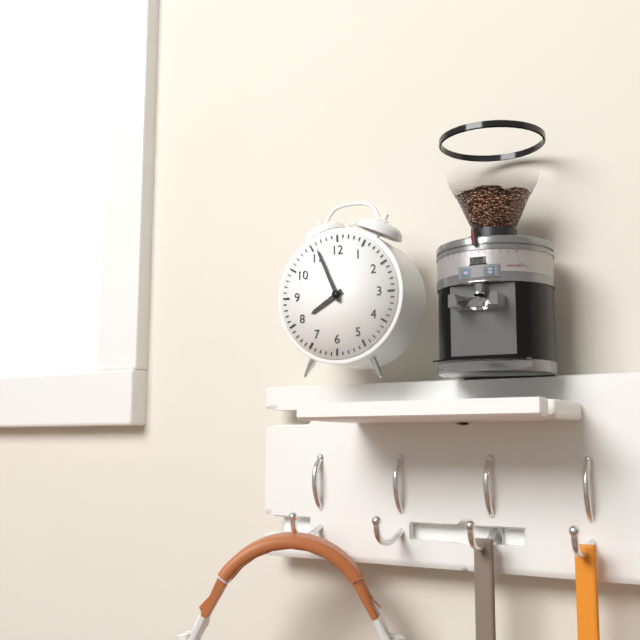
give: {"hour": 7, "minute": 56}
